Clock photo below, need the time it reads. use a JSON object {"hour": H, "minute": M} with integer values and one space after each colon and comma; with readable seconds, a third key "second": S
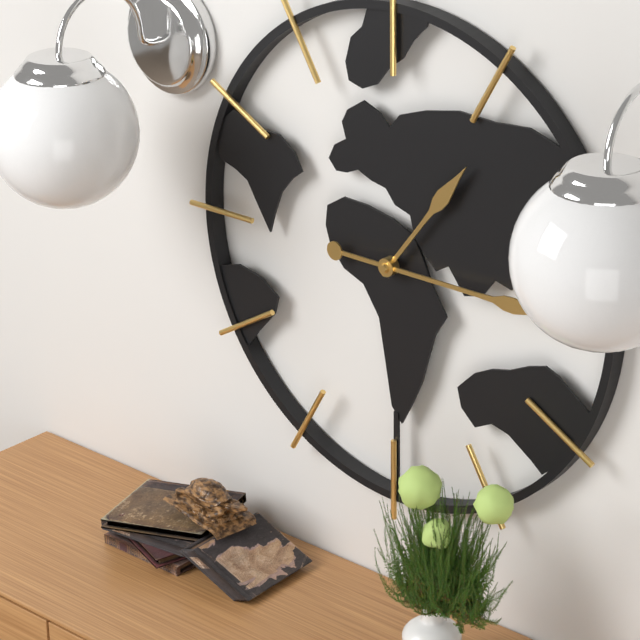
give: {"hour": 1, "minute": 15}
